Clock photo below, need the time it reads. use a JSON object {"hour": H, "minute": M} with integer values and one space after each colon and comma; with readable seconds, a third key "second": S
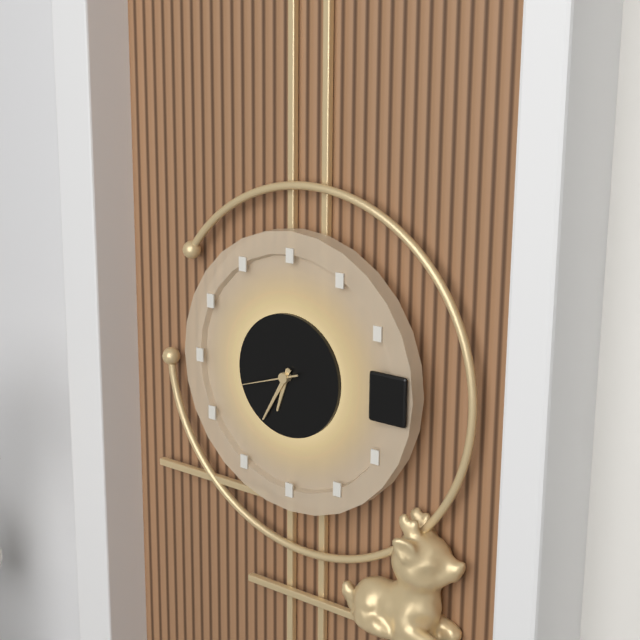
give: {"hour": 6, "minute": 35, "second": 42}
